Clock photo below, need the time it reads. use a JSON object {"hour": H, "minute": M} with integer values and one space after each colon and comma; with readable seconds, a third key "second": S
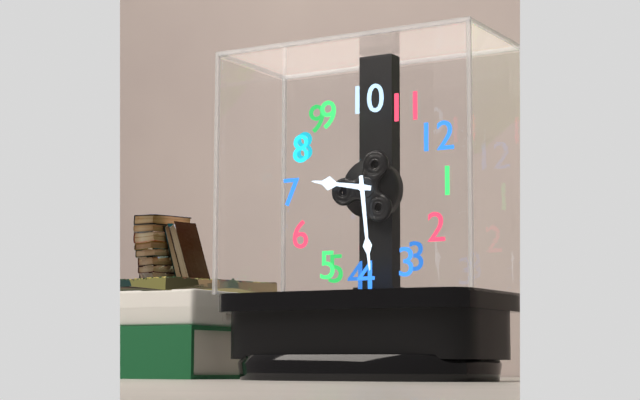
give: {"hour": 7, "minute": 19}
